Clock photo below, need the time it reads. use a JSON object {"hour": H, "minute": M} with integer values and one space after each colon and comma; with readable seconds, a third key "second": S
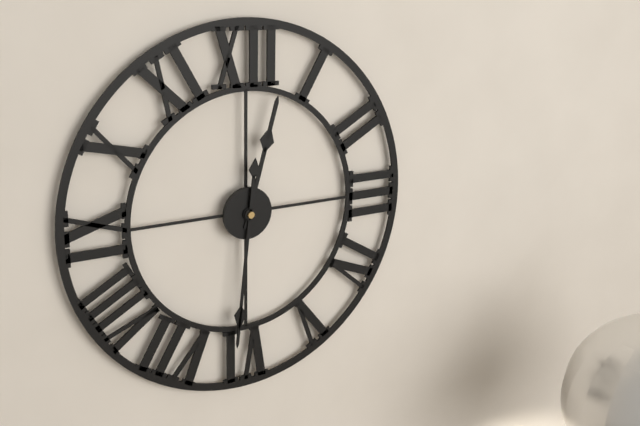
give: {"hour": 12, "minute": 31}
